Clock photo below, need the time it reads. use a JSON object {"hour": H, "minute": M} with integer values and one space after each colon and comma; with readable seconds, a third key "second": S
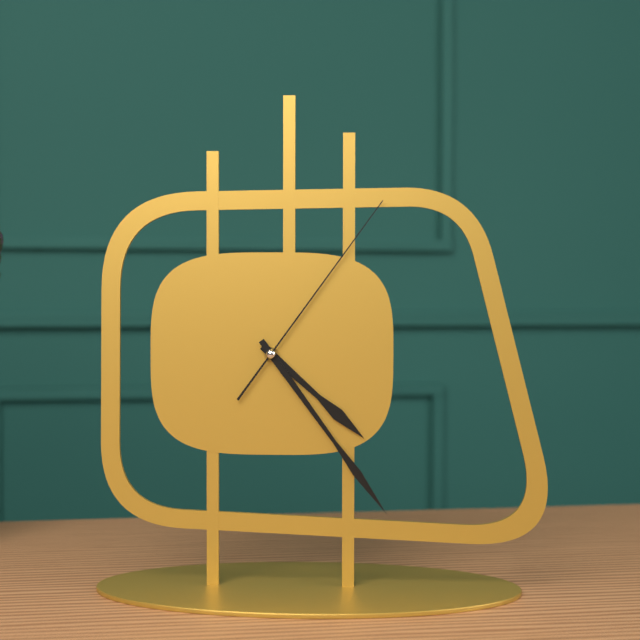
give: {"hour": 4, "minute": 24, "second": 6}
